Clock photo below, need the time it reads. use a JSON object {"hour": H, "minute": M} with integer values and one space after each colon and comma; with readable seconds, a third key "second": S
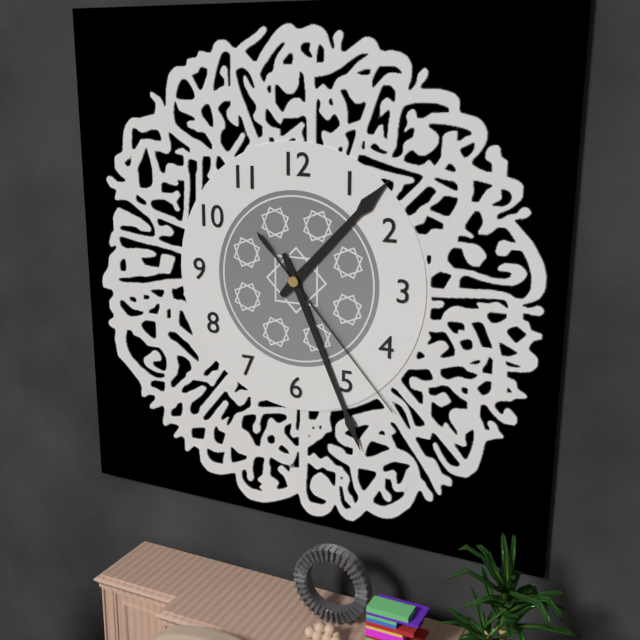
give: {"hour": 1, "minute": 26, "second": 23}
